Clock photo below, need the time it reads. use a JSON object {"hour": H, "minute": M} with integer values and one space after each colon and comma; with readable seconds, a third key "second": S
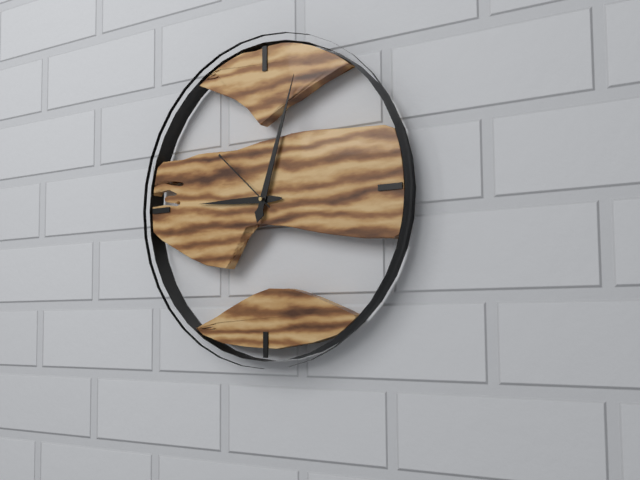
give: {"hour": 9, "minute": 3, "second": 52}
